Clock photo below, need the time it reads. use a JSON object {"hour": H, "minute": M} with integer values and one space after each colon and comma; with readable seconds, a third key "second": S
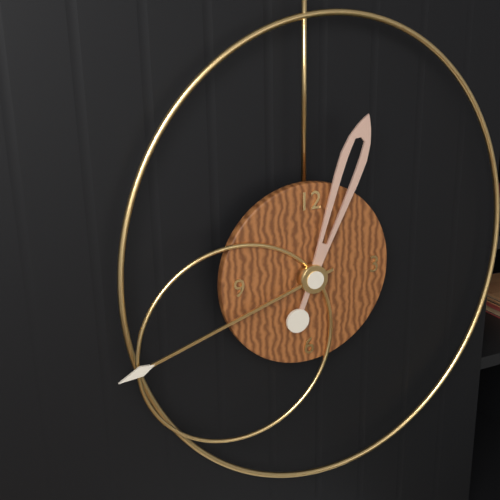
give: {"hour": 12, "minute": 42}
